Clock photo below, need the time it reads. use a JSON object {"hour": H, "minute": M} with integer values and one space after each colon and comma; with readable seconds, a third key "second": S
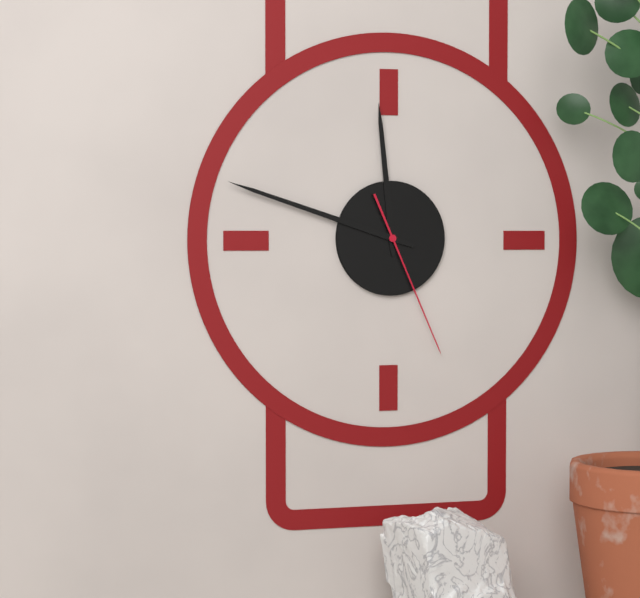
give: {"hour": 11, "minute": 48, "second": 26}
